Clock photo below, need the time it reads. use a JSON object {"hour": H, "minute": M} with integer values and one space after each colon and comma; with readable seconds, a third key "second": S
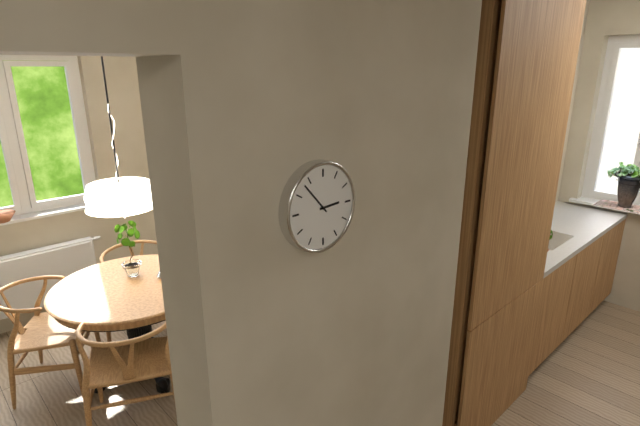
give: {"hour": 2, "minute": 53}
